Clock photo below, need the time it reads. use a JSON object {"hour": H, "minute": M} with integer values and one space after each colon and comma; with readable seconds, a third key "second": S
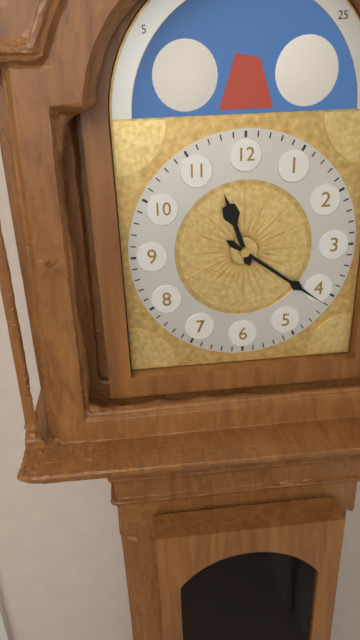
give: {"hour": 11, "minute": 21}
